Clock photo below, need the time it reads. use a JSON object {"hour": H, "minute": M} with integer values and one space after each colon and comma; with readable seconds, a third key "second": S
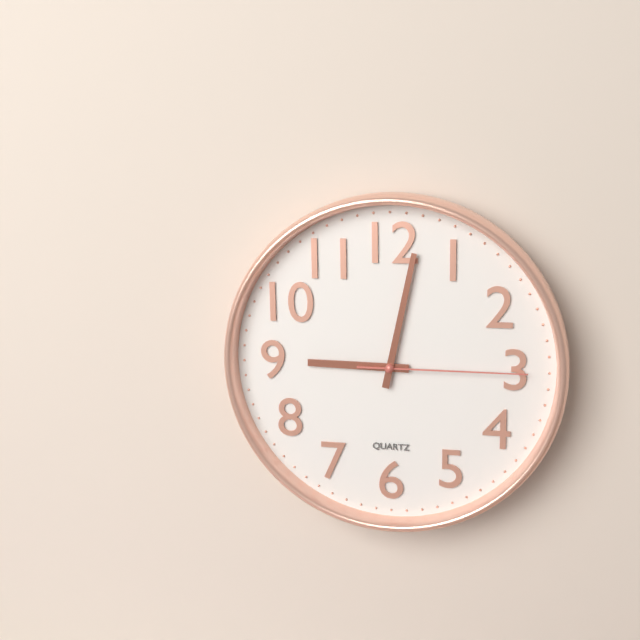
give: {"hour": 9, "minute": 2, "second": 15}
